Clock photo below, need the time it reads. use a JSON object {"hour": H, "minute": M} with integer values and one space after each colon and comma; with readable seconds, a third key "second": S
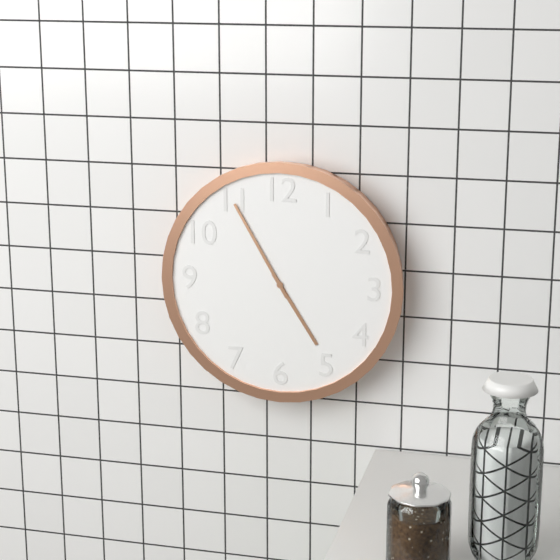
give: {"hour": 4, "minute": 55}
